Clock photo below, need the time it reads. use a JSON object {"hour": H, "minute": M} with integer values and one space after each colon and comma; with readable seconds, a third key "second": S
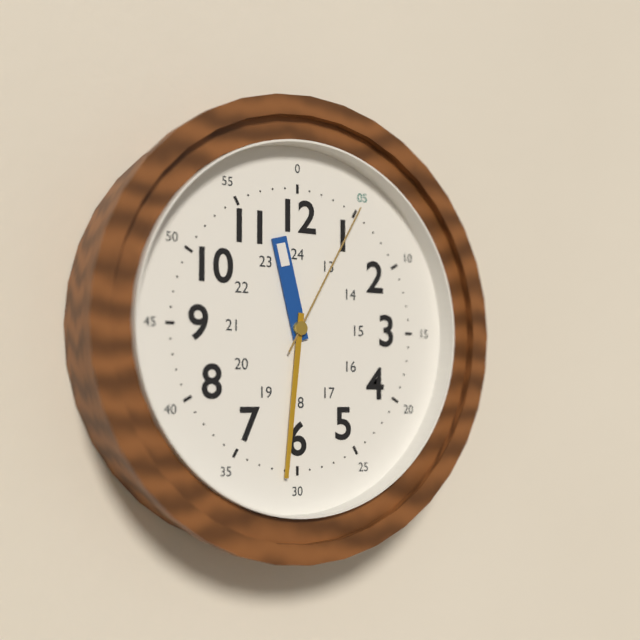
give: {"hour": 11, "minute": 31, "second": 5}
